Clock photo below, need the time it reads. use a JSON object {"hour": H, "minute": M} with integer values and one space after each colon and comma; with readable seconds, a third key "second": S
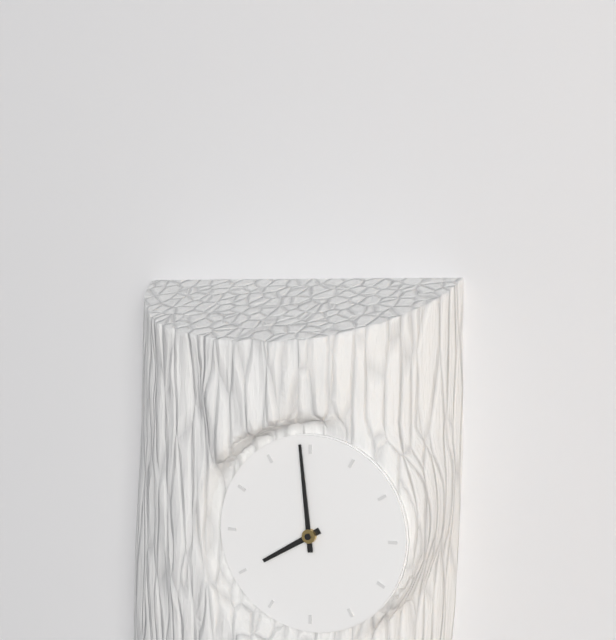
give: {"hour": 7, "minute": 59}
